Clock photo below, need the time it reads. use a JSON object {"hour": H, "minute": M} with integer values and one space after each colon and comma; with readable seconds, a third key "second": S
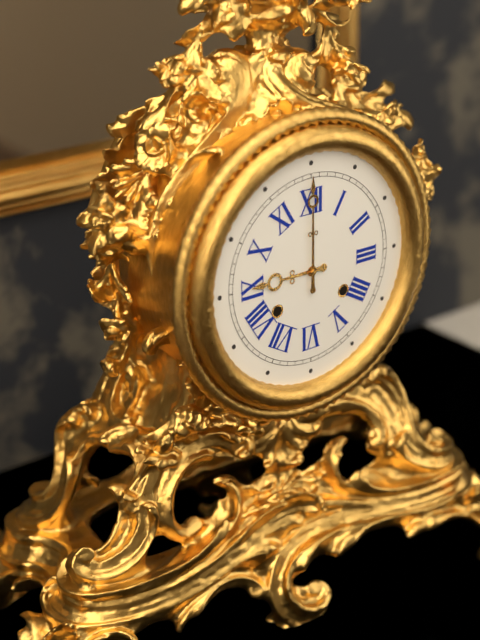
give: {"hour": 9, "minute": 0}
